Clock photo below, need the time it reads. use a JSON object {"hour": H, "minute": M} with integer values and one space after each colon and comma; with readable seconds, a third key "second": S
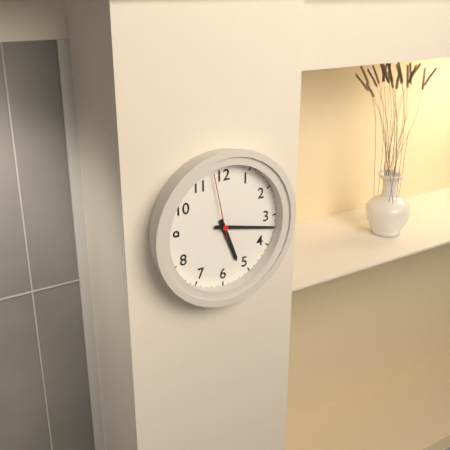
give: {"hour": 5, "minute": 17, "second": 58}
